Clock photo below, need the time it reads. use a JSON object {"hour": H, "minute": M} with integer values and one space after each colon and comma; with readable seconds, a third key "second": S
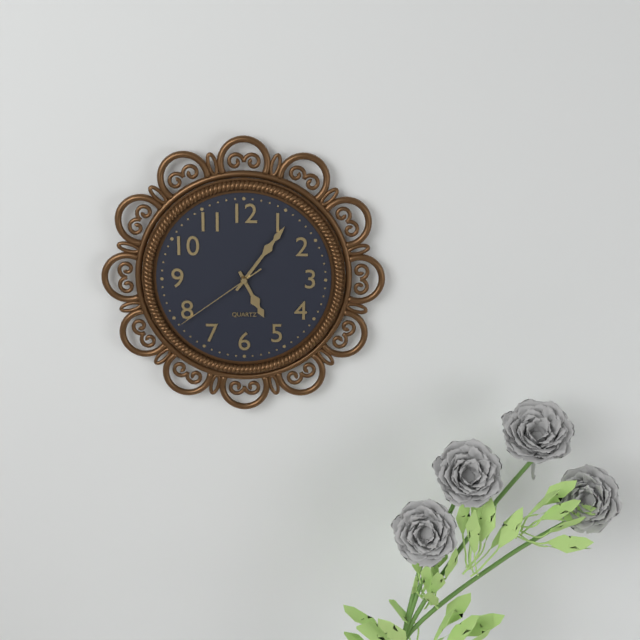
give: {"hour": 5, "minute": 6, "second": 39}
